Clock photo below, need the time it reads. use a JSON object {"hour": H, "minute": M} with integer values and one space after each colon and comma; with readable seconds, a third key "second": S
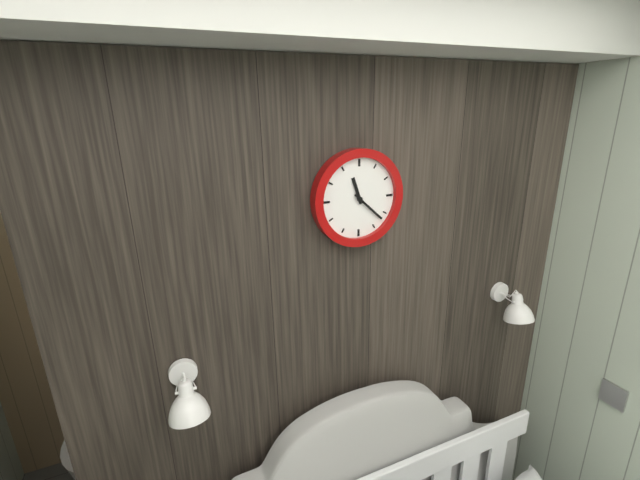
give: {"hour": 11, "minute": 22}
